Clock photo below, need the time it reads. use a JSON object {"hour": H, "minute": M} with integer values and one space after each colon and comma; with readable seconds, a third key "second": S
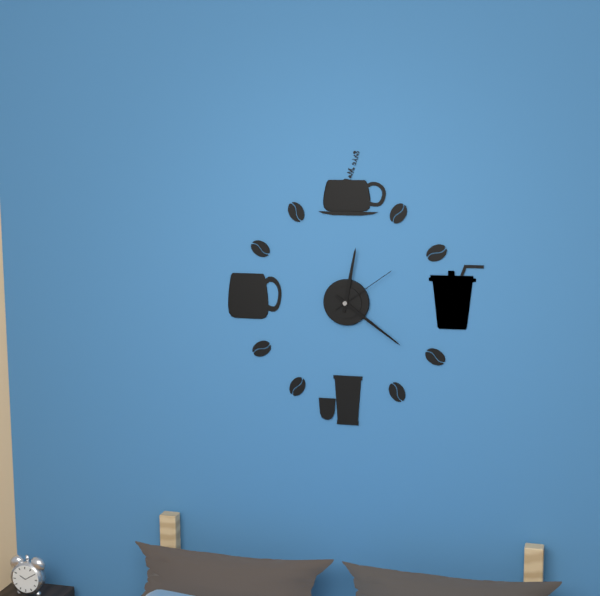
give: {"hour": 12, "minute": 21, "second": 9}
